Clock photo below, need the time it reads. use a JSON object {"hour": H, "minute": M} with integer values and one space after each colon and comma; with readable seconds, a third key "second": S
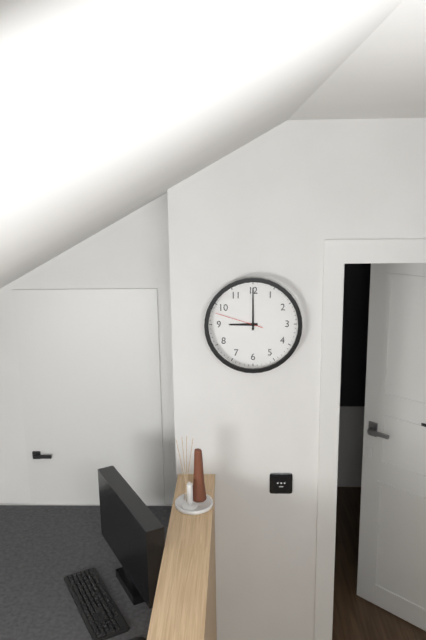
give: {"hour": 9, "minute": 0}
